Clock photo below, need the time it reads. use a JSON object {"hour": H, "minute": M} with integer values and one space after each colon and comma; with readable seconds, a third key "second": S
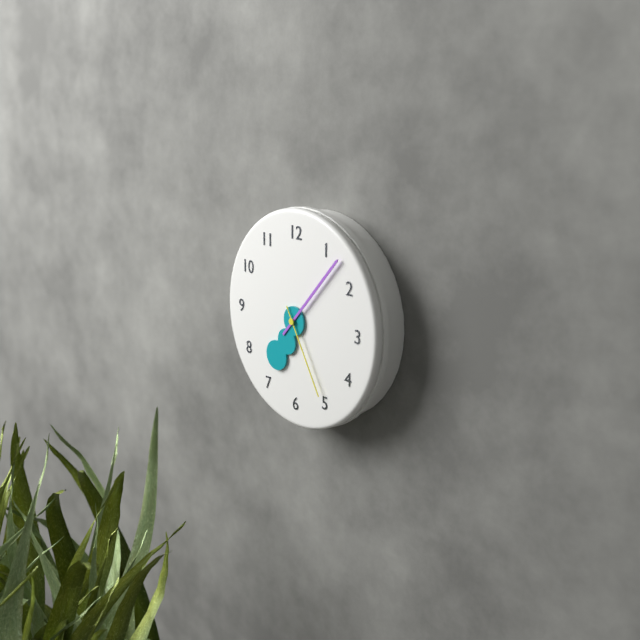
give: {"hour": 7, "minute": 7, "second": 25}
